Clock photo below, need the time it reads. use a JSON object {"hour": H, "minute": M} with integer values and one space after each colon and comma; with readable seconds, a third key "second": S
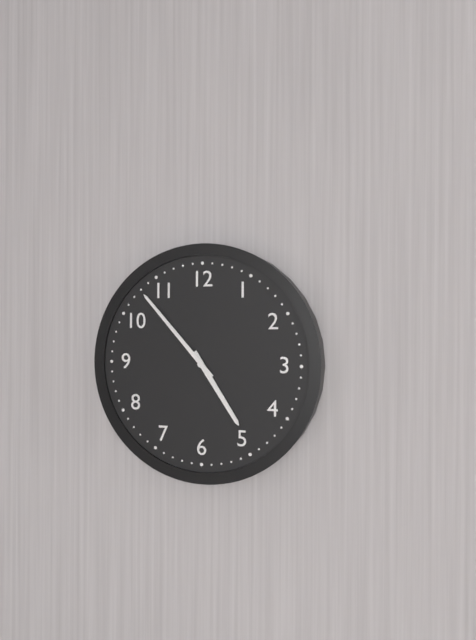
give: {"hour": 4, "minute": 53}
